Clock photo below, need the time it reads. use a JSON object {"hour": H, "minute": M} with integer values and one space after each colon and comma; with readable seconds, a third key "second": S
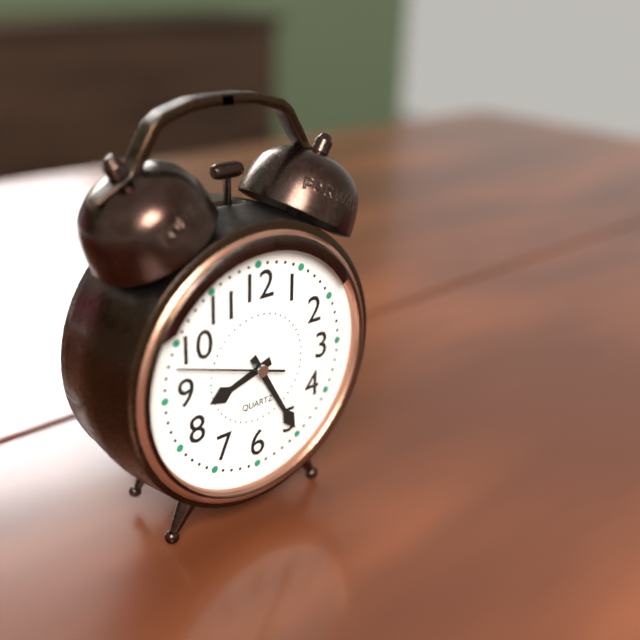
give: {"hour": 8, "minute": 25, "second": 48}
